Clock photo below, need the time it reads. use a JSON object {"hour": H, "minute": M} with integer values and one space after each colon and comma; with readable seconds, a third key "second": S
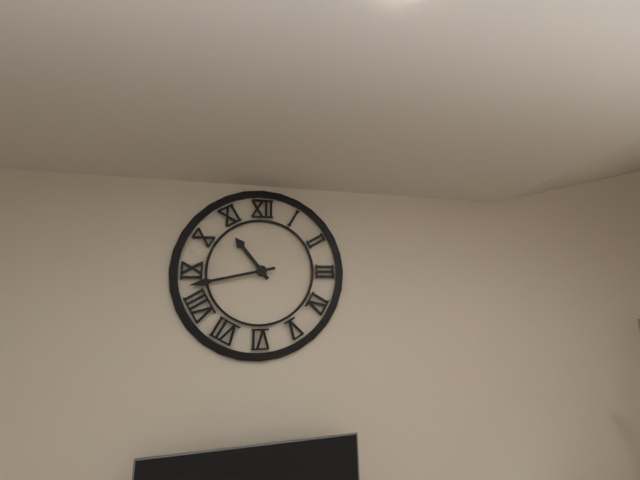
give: {"hour": 10, "minute": 43}
